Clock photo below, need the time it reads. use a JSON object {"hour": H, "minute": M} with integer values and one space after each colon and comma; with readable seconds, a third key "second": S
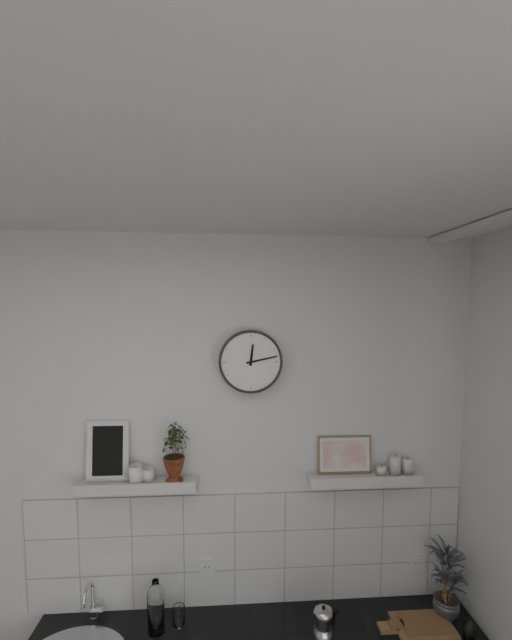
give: {"hour": 12, "minute": 13}
